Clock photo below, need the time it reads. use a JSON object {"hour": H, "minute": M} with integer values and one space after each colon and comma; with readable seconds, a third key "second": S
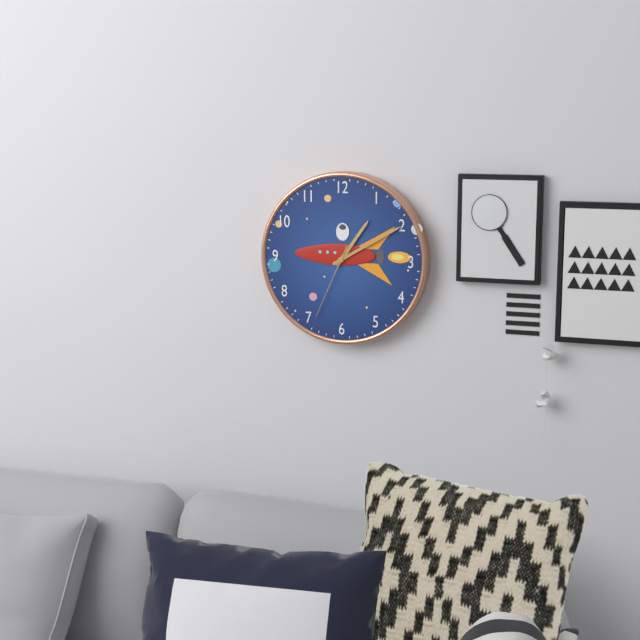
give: {"hour": 1, "minute": 10, "second": 34}
